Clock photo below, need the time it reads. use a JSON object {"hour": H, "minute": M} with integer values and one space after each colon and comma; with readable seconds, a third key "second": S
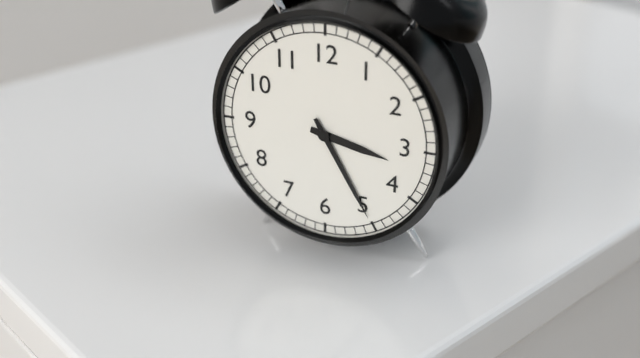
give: {"hour": 3, "minute": 25}
